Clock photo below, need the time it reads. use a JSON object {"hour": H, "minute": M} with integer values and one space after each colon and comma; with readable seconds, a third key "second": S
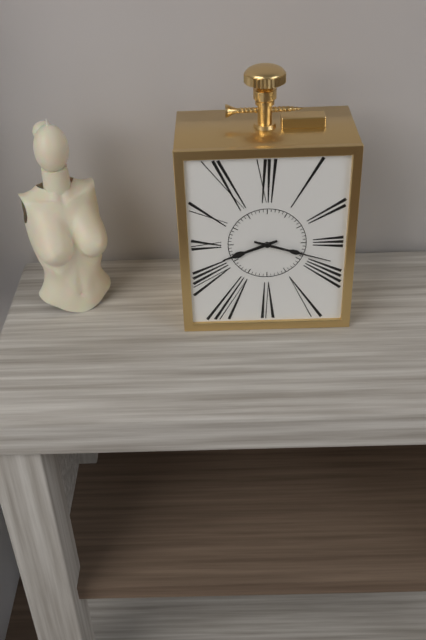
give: {"hour": 8, "minute": 18}
